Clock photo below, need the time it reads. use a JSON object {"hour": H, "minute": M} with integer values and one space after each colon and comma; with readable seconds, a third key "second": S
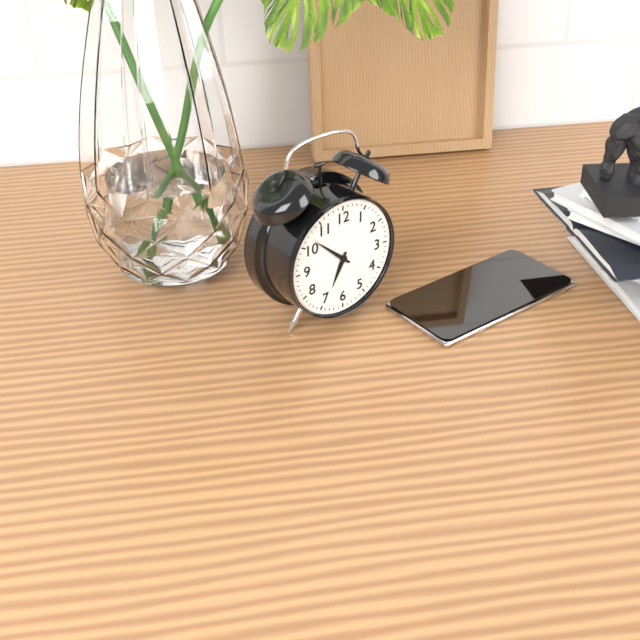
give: {"hour": 6, "minute": 52}
